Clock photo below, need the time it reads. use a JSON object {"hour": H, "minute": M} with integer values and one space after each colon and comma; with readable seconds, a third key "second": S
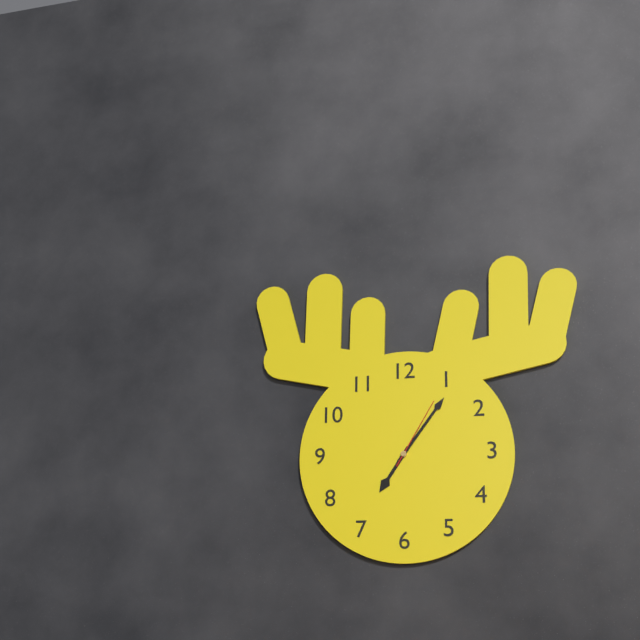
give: {"hour": 7, "minute": 6, "second": 5}
